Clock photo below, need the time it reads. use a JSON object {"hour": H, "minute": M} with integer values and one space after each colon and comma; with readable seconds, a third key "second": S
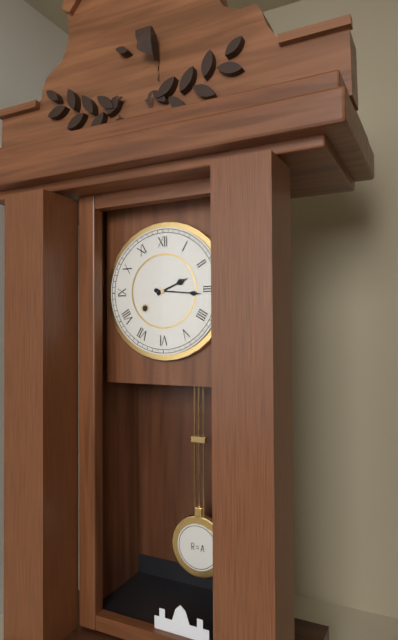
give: {"hour": 2, "minute": 16}
